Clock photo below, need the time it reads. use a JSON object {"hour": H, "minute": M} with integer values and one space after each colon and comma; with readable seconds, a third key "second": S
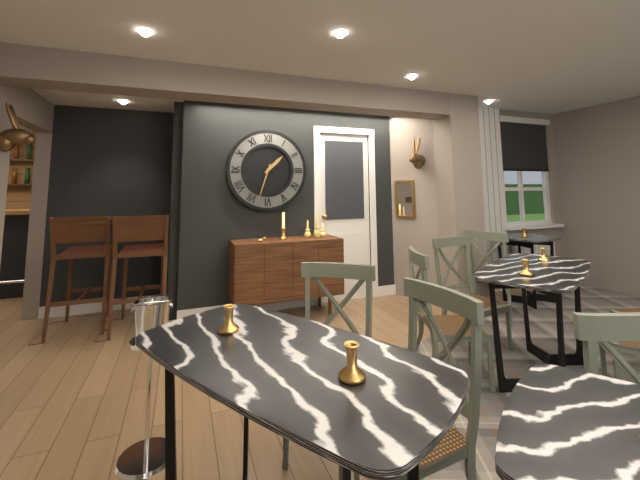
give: {"hour": 1, "minute": 33}
